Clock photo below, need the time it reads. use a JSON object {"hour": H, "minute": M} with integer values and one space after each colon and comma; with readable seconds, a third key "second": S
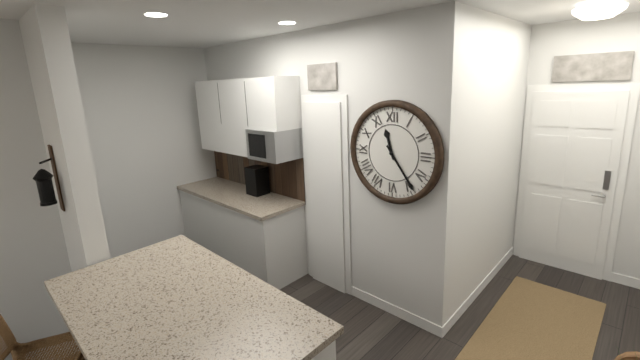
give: {"hour": 11, "minute": 24}
